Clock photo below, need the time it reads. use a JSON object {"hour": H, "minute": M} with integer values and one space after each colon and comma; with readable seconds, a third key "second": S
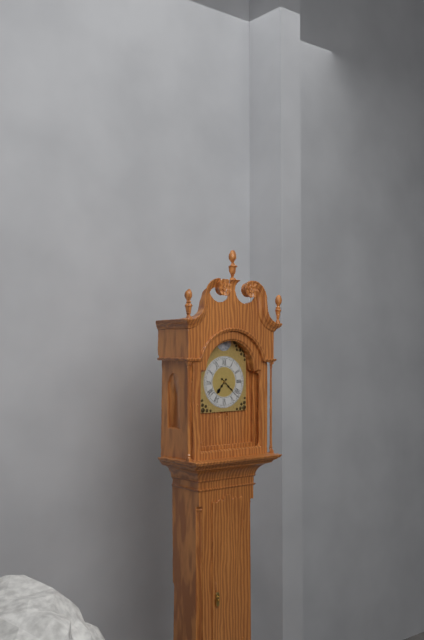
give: {"hour": 7, "minute": 22}
